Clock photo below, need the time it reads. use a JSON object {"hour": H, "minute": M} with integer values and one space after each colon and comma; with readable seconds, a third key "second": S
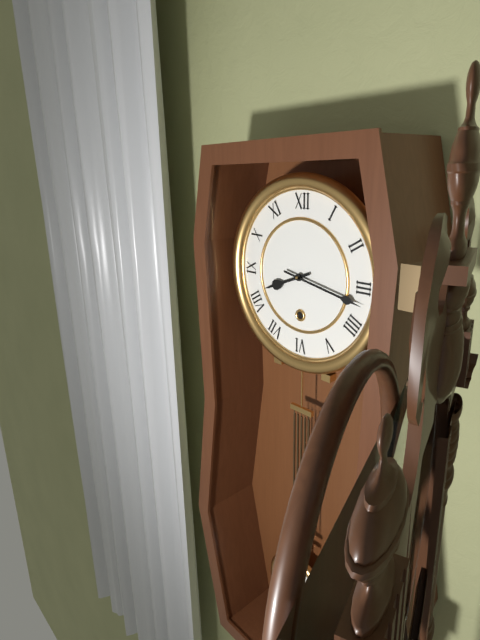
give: {"hour": 8, "minute": 17}
